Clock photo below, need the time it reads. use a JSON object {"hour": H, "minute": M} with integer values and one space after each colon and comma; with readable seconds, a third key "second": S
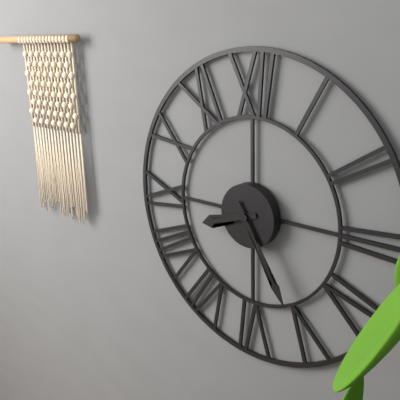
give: {"hour": 8, "minute": 25}
